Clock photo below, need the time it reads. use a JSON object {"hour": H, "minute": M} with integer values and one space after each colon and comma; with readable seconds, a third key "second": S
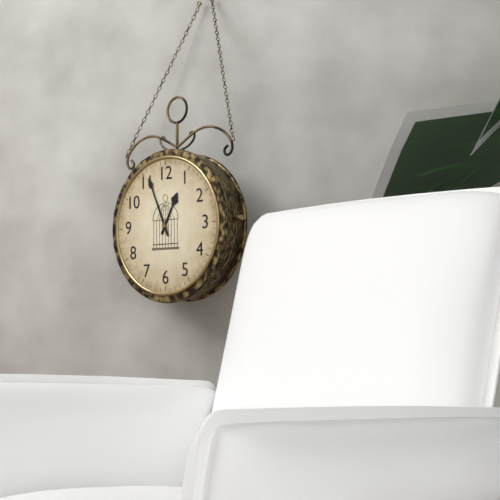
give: {"hour": 12, "minute": 56}
